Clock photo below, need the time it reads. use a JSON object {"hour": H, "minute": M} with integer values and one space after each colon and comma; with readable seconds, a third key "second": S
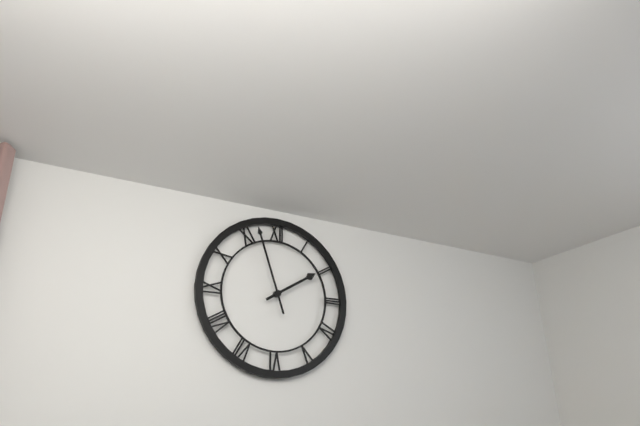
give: {"hour": 1, "minute": 57}
